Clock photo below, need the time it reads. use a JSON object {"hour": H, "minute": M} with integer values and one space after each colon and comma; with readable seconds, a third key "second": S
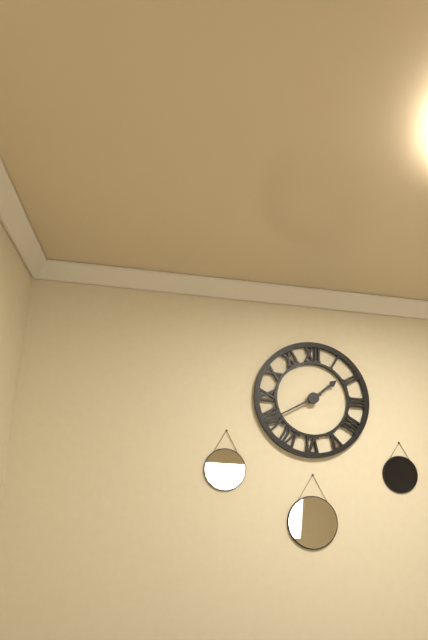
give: {"hour": 1, "minute": 40}
